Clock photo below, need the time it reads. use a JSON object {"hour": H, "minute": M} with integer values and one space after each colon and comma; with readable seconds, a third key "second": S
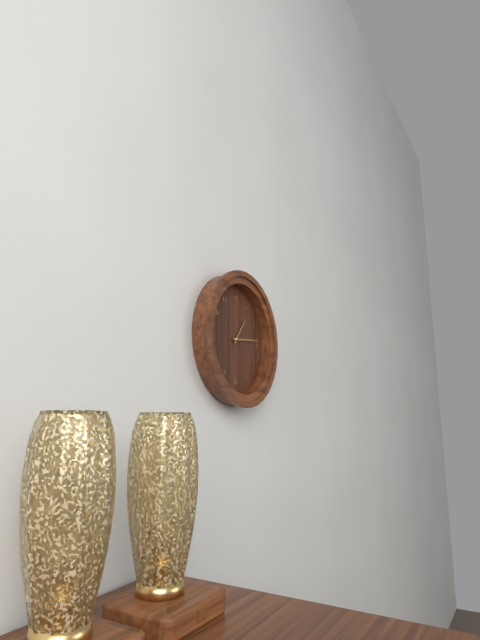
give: {"hour": 1, "minute": 14}
